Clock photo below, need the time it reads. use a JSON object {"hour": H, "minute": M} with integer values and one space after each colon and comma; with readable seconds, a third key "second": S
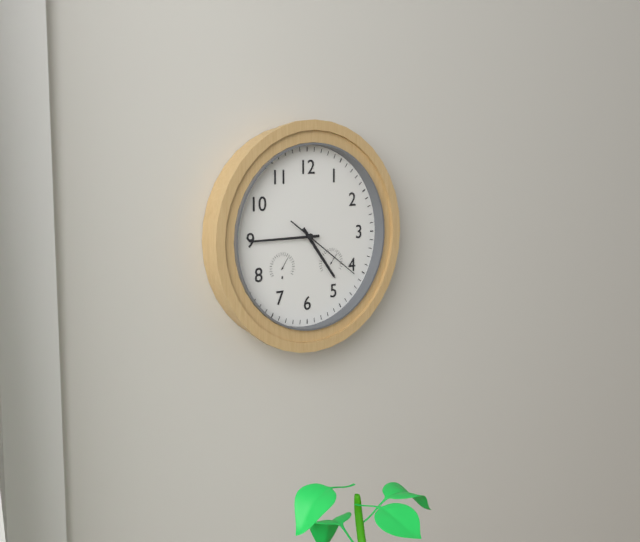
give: {"hour": 4, "minute": 45, "second": 21}
